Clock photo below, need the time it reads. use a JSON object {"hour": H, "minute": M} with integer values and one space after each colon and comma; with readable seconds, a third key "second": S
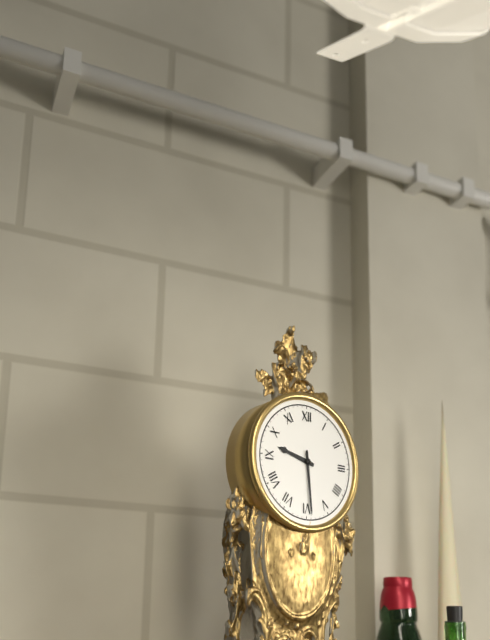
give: {"hour": 9, "minute": 29}
